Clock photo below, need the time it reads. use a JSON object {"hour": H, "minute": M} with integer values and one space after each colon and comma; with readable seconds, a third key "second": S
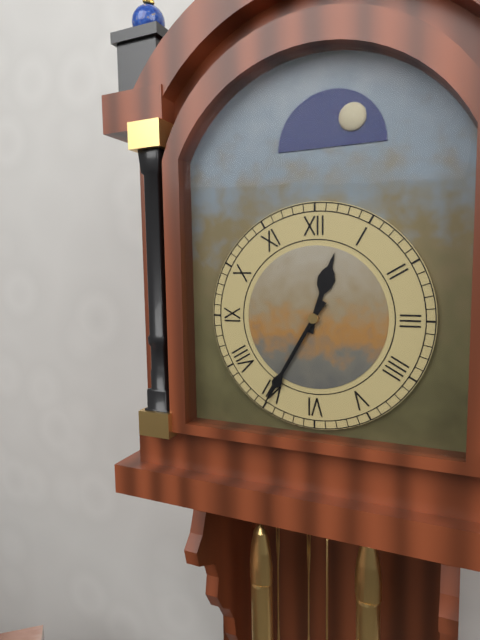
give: {"hour": 12, "minute": 35}
